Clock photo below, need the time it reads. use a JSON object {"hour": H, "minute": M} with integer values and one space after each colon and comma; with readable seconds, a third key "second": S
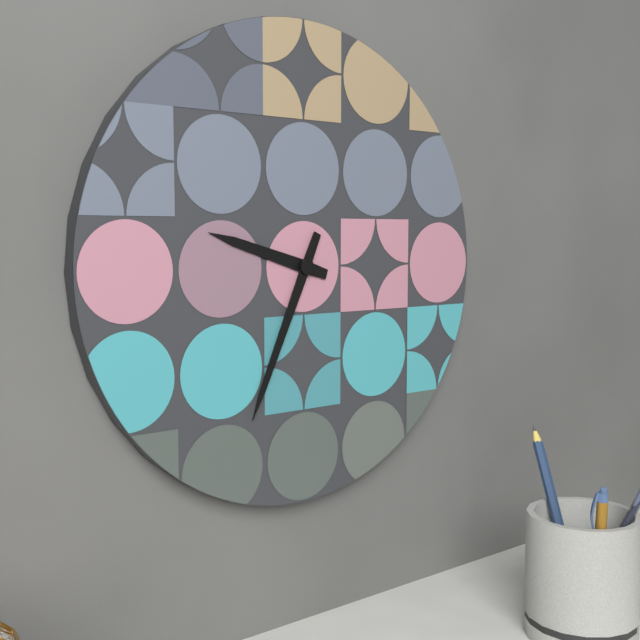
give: {"hour": 9, "minute": 34}
